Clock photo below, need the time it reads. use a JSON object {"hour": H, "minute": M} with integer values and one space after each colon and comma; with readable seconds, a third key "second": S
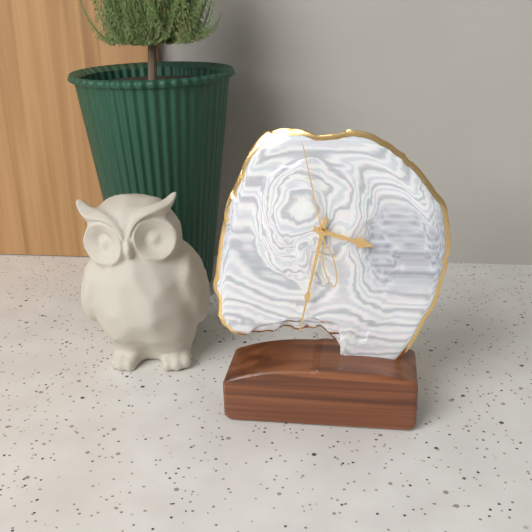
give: {"hour": 3, "minute": 32, "second": 58}
